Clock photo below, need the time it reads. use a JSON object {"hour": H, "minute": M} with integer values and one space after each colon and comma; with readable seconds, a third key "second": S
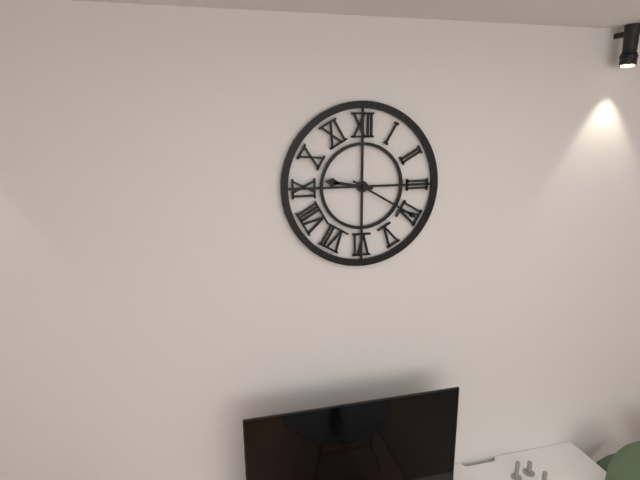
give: {"hour": 9, "minute": 20}
